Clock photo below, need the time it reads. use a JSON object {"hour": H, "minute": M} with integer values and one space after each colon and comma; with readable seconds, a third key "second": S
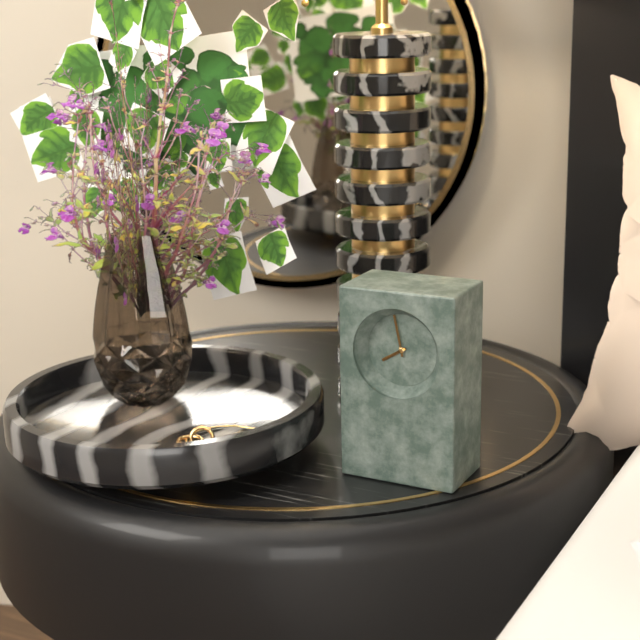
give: {"hour": 7, "minute": 58}
